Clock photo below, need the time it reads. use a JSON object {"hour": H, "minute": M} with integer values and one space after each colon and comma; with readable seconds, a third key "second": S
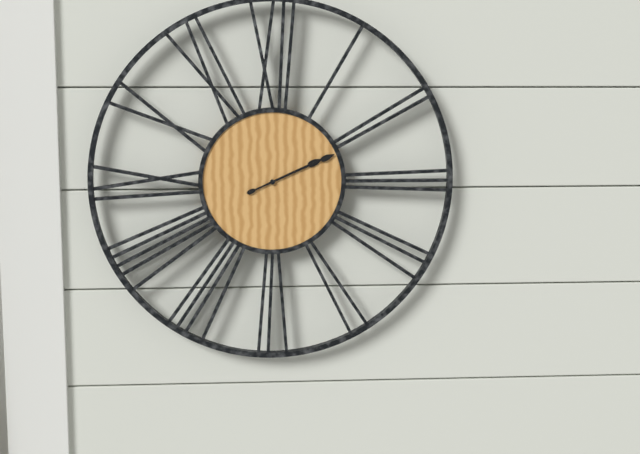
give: {"hour": 2, "minute": 11}
